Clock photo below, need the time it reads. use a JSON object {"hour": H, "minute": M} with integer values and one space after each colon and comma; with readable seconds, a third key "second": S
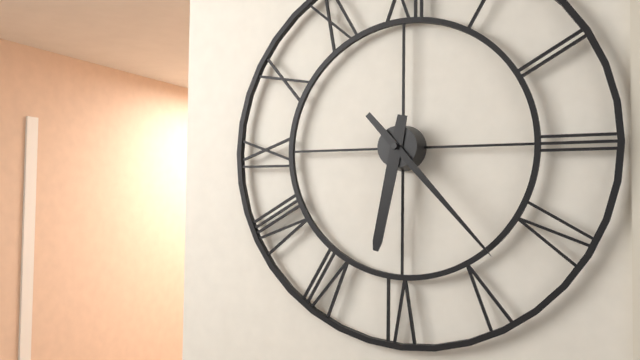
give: {"hour": 6, "minute": 23}
